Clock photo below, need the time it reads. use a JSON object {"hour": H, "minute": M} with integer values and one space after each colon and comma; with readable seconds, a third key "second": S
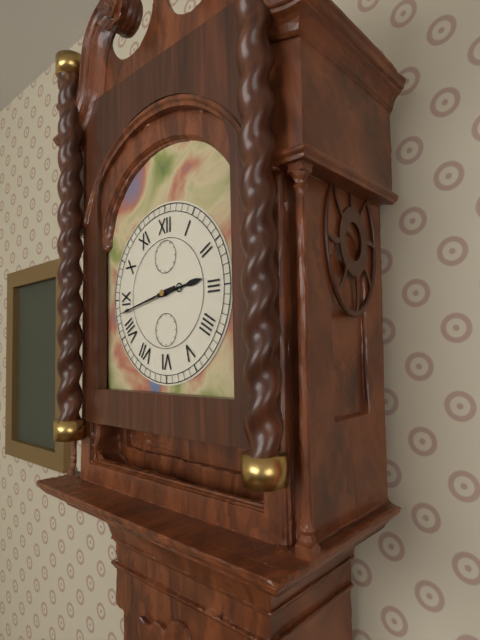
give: {"hour": 2, "minute": 43}
